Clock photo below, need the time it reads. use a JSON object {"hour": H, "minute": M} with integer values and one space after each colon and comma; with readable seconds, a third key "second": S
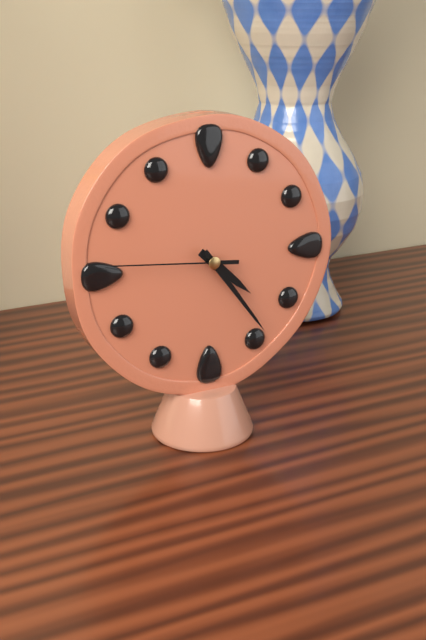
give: {"hour": 4, "minute": 24, "second": 46}
